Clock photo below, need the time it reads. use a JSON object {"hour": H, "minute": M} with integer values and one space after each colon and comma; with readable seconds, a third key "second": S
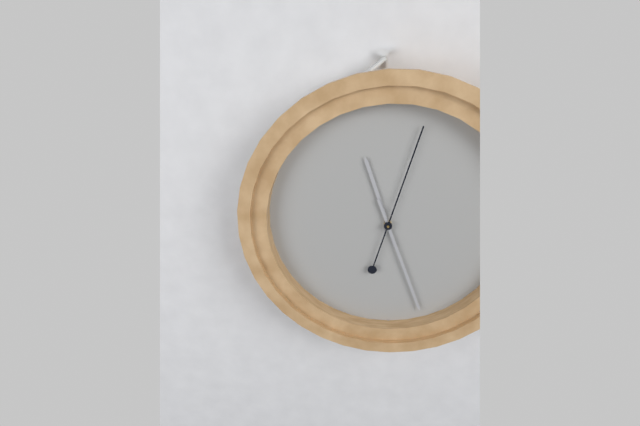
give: {"hour": 11, "minute": 27, "second": 3}
